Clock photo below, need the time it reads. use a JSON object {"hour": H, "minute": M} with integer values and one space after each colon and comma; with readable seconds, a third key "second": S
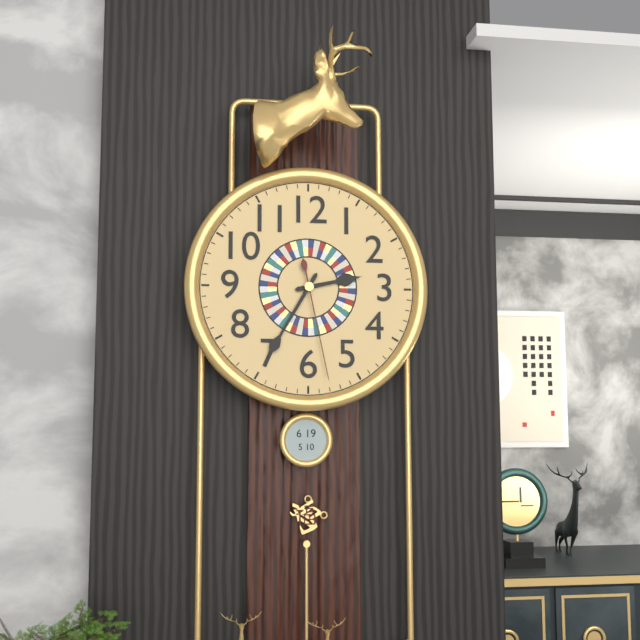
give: {"hour": 2, "minute": 35, "second": 28}
